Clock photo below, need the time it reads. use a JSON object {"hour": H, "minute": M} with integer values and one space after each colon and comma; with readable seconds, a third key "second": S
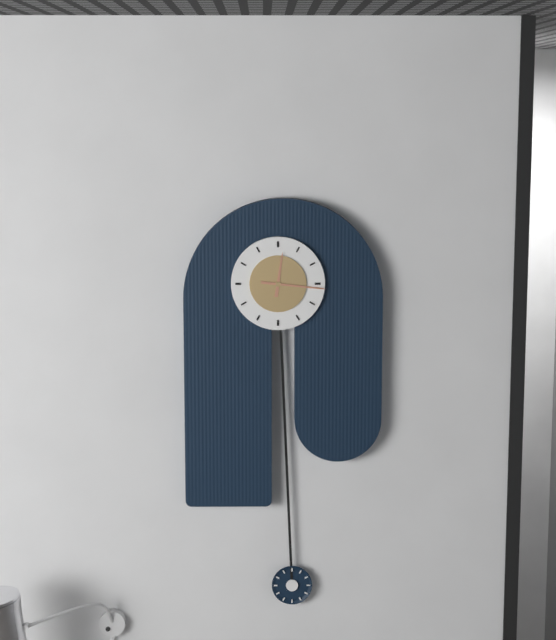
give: {"hour": 12, "minute": 16}
